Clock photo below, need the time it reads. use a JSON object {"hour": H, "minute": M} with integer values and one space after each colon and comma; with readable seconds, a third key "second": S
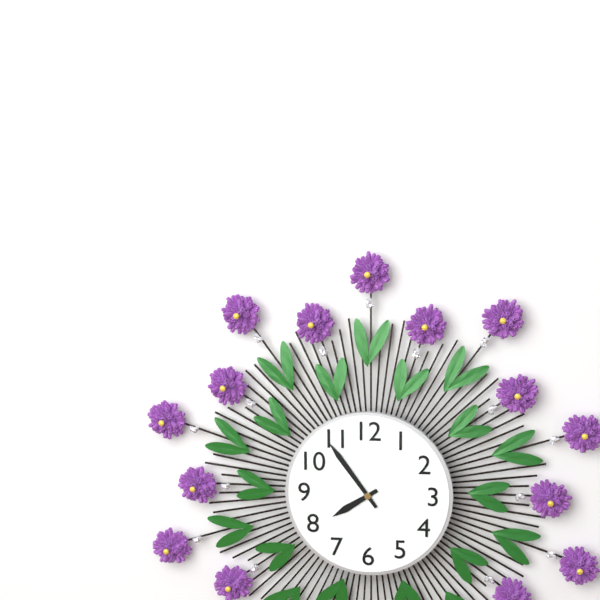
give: {"hour": 7, "minute": 54}
